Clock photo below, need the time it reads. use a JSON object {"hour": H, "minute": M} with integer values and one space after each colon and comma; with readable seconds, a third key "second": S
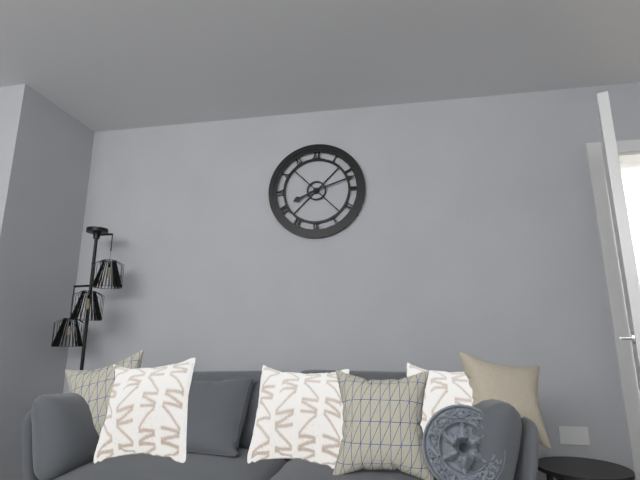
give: {"hour": 8, "minute": 12}
